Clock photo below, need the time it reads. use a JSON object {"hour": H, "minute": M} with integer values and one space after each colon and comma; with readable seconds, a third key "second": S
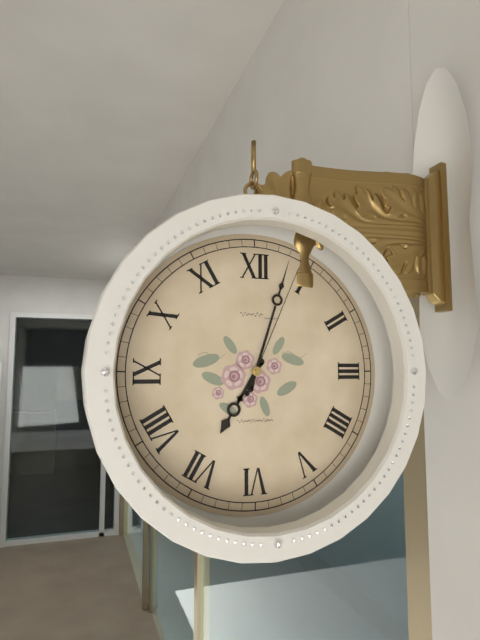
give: {"hour": 7, "minute": 3, "second": 4}
